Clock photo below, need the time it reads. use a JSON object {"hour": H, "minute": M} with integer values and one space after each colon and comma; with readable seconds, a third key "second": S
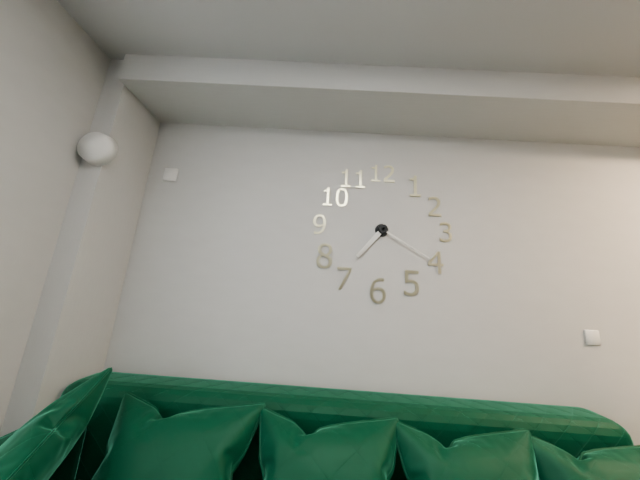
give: {"hour": 7, "minute": 20}
